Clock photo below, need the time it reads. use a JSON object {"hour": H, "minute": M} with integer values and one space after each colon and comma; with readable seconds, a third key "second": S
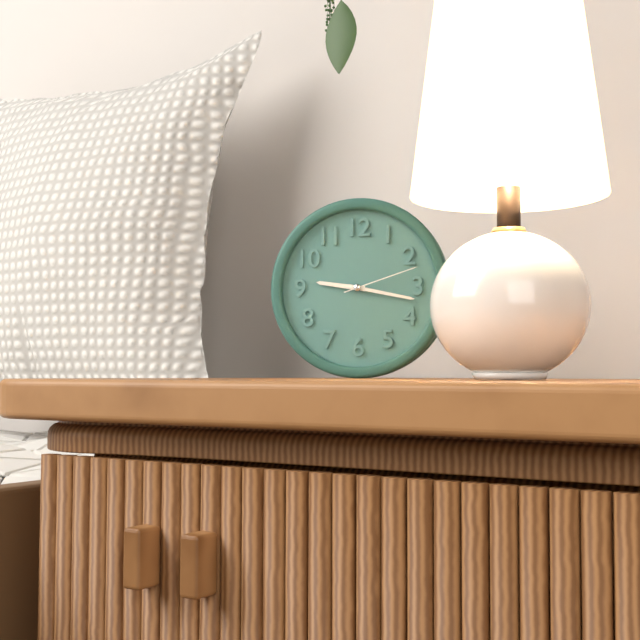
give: {"hour": 9, "minute": 17, "second": 12}
